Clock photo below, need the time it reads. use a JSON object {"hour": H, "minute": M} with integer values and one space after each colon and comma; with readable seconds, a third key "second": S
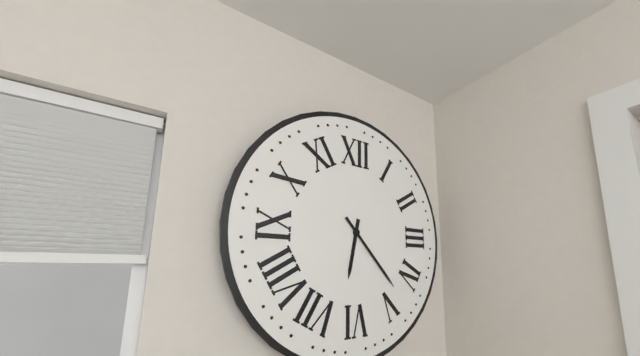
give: {"hour": 6, "minute": 23}
